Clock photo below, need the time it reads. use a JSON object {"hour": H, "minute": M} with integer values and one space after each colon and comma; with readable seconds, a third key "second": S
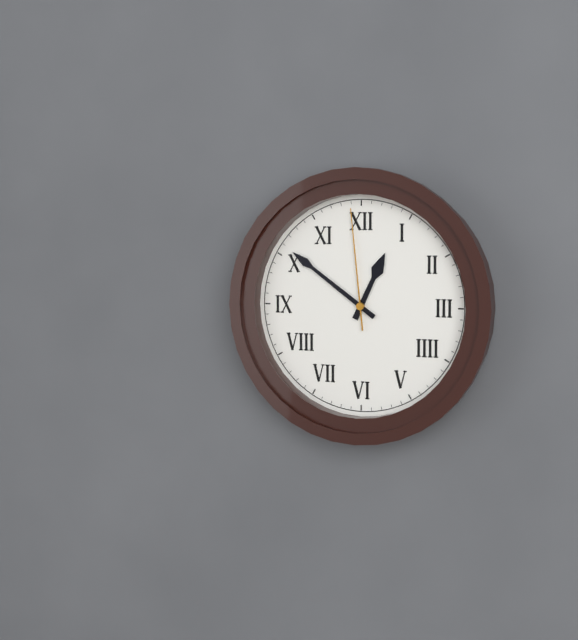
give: {"hour": 12, "minute": 51, "second": 59}
